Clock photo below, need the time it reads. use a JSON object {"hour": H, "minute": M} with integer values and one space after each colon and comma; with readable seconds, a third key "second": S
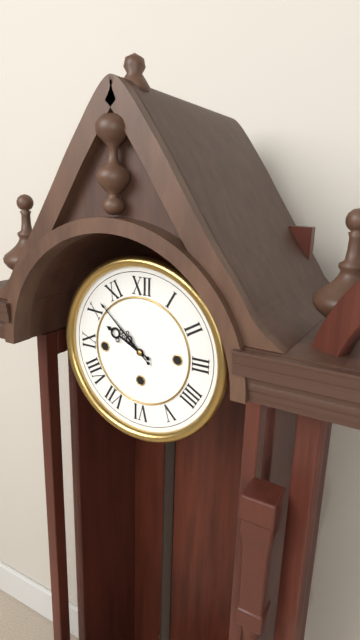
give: {"hour": 9, "minute": 52}
